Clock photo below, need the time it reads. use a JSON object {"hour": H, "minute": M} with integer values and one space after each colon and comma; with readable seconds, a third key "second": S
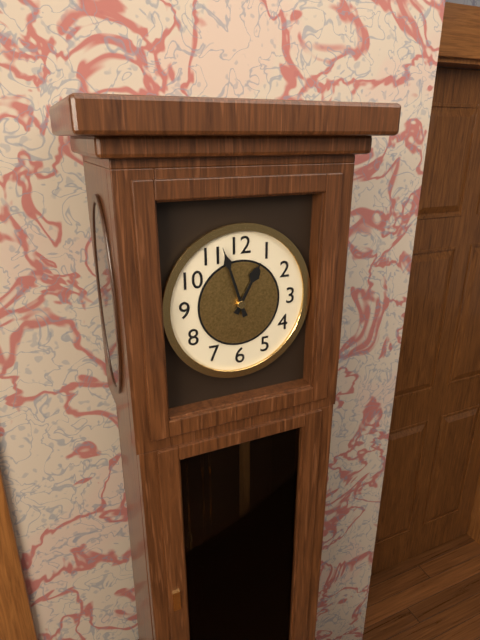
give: {"hour": 12, "minute": 57}
